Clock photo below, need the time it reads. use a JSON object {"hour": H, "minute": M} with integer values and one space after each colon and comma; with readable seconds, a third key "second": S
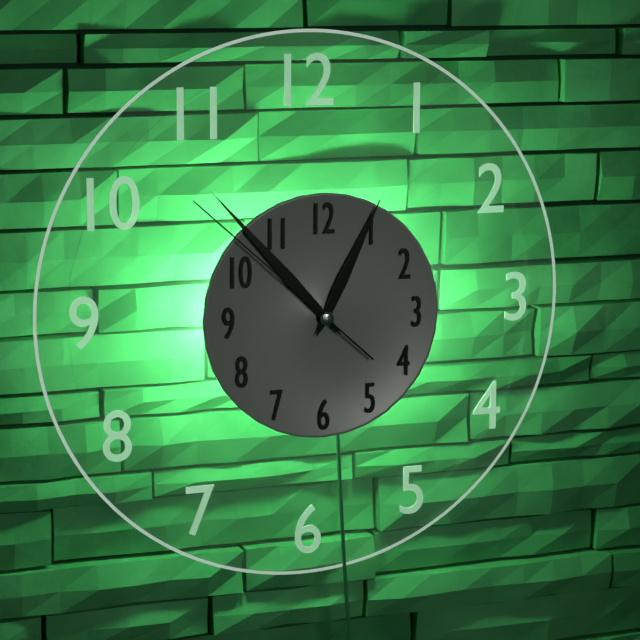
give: {"hour": 12, "minute": 53, "second": 52}
